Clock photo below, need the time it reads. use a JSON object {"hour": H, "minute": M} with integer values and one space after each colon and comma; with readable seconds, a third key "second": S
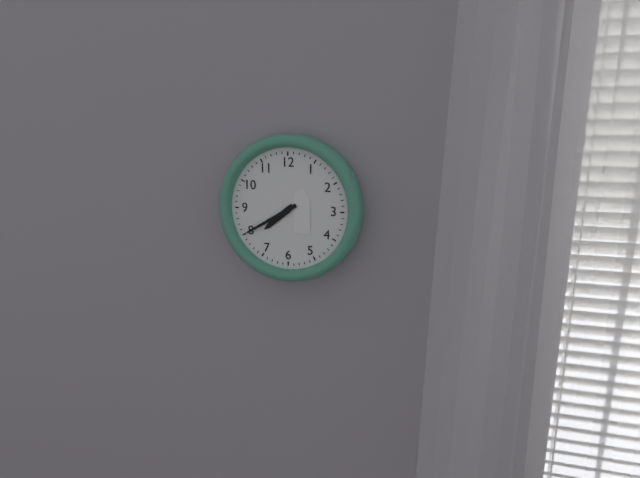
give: {"hour": 7, "minute": 40}
